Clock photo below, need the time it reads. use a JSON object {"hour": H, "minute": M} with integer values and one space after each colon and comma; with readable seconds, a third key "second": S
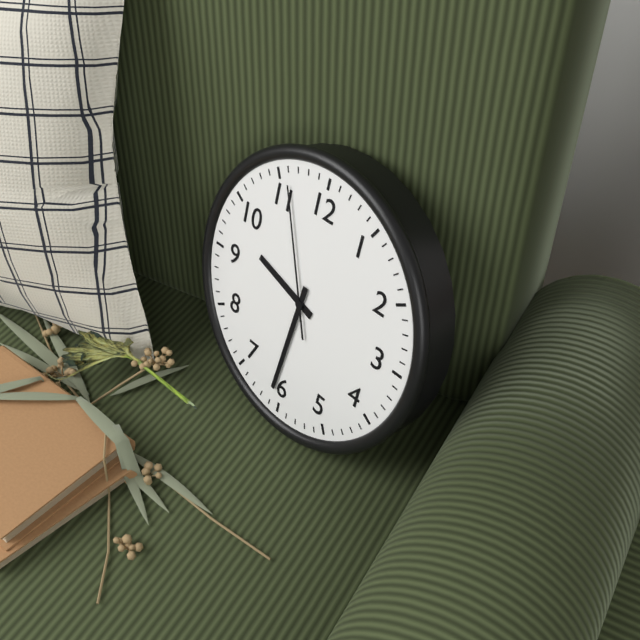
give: {"hour": 9, "minute": 31, "second": 56}
